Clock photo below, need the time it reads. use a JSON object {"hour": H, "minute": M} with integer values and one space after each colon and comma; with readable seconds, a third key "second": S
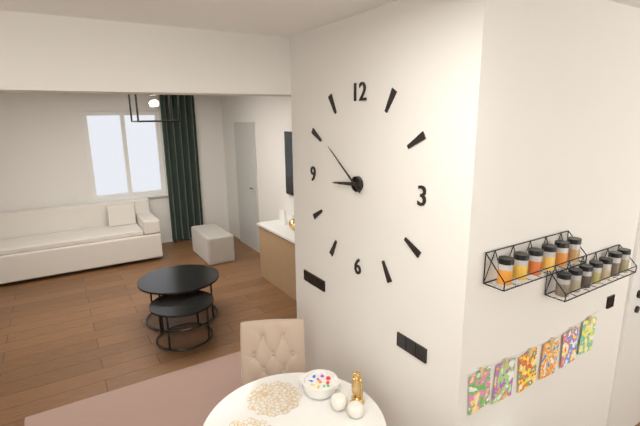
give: {"hour": 8, "minute": 51}
